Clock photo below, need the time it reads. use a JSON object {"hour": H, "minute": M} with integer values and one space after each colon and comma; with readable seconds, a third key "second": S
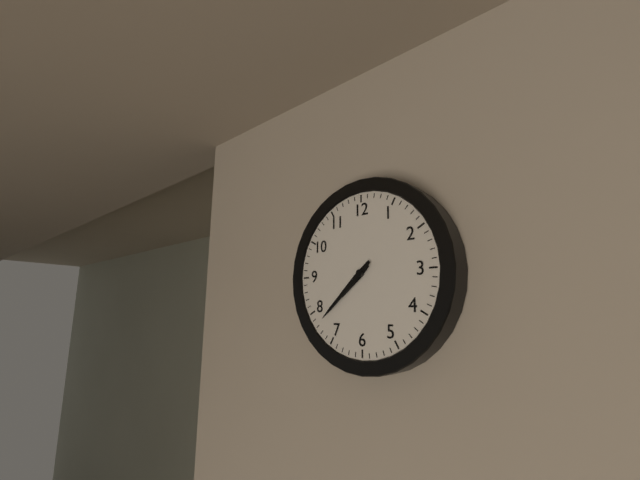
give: {"hour": 7, "minute": 38}
